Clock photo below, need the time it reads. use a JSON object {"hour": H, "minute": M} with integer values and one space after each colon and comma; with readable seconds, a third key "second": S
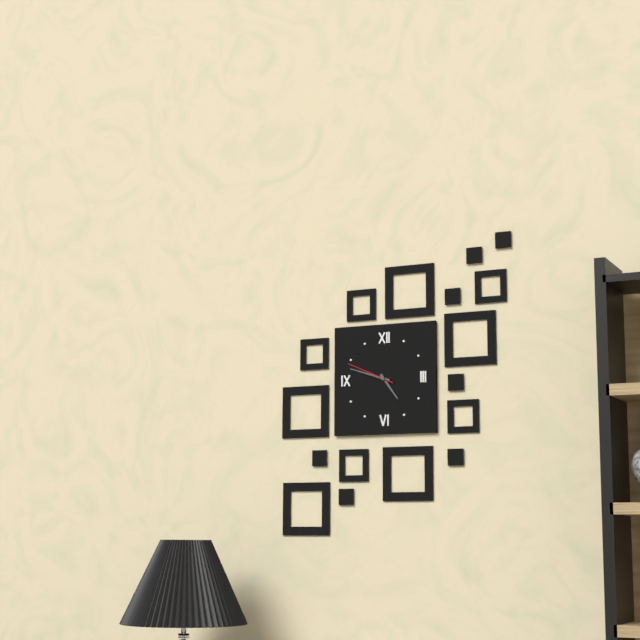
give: {"hour": 4, "minute": 48}
